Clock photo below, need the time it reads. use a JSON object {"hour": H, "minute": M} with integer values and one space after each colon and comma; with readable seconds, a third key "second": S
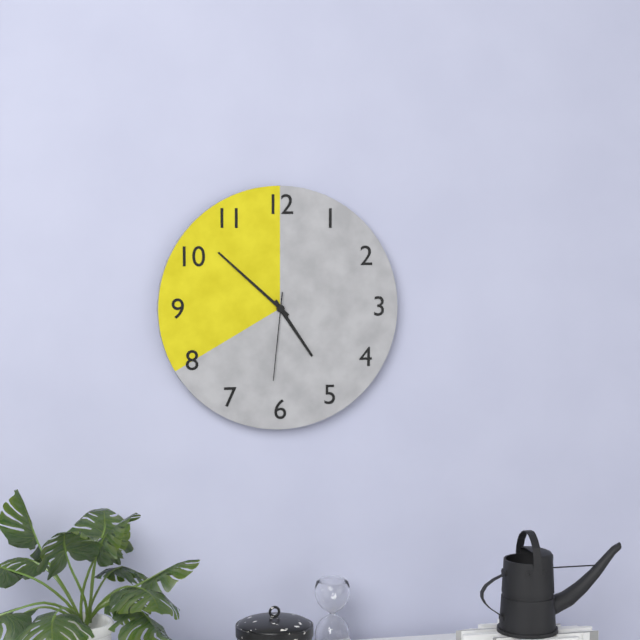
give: {"hour": 4, "minute": 52, "second": 31}
